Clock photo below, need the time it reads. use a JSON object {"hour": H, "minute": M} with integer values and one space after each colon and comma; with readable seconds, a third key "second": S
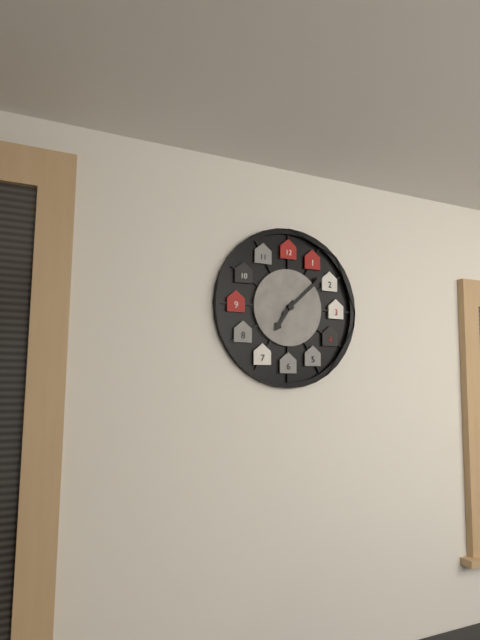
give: {"hour": 7, "minute": 8}
